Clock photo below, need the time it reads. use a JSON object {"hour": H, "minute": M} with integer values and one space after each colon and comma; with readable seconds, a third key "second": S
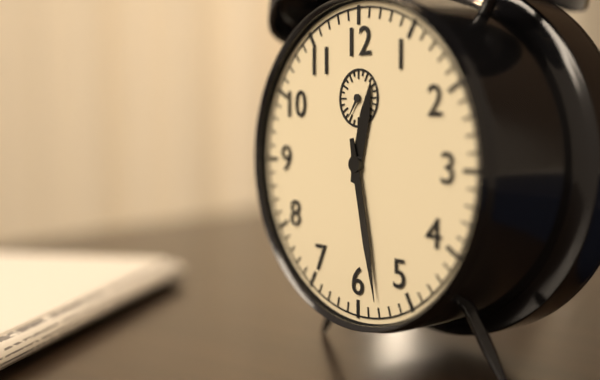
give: {"hour": 12, "minute": 28}
